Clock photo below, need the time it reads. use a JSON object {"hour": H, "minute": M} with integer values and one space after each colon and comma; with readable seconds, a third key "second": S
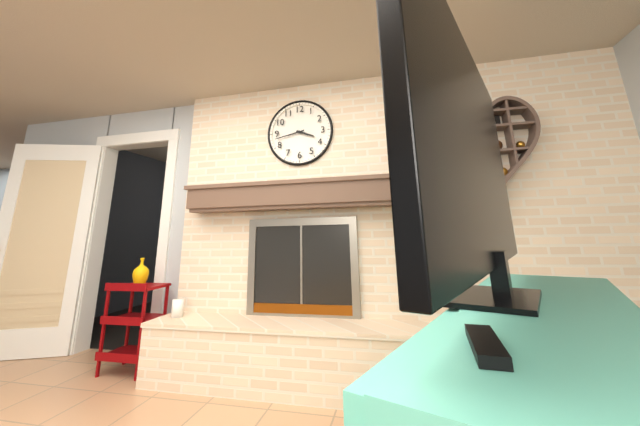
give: {"hour": 3, "minute": 43}
